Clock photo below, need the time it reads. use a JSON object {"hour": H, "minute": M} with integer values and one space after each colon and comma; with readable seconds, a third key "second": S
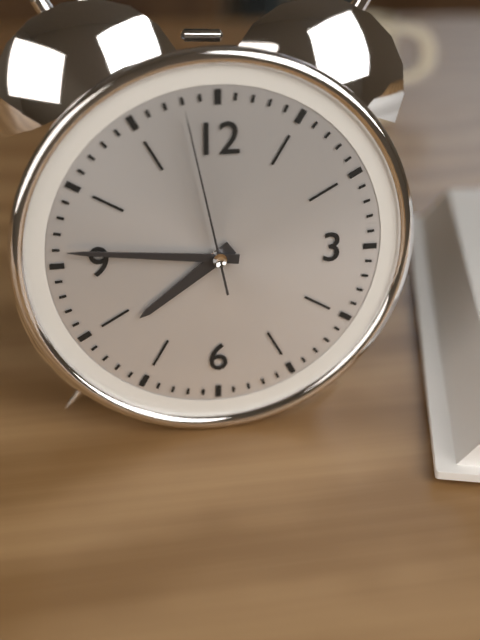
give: {"hour": 7, "minute": 46, "second": 58}
